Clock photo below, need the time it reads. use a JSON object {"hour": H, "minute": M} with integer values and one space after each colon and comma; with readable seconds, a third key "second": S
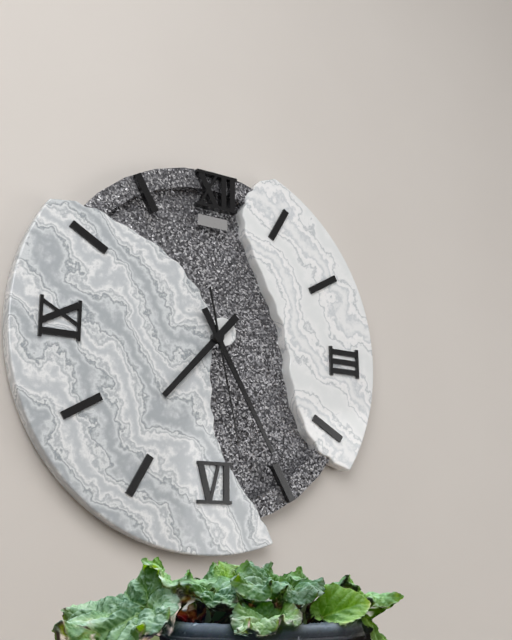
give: {"hour": 7, "minute": 25, "second": 28}
